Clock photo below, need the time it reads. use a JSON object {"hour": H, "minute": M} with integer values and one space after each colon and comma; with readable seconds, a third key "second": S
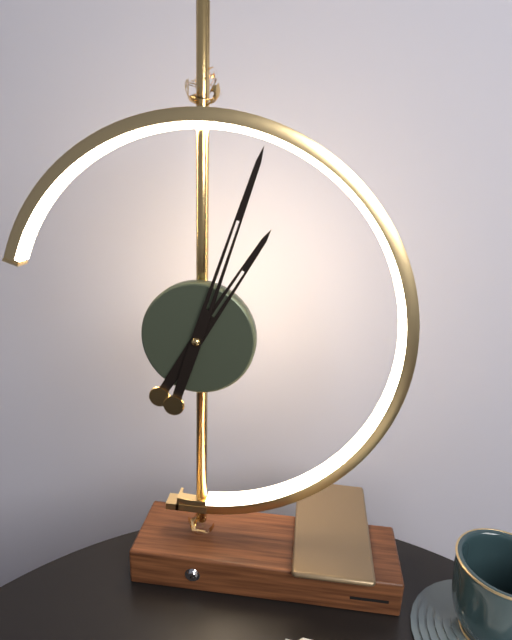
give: {"hour": 1, "minute": 3}
